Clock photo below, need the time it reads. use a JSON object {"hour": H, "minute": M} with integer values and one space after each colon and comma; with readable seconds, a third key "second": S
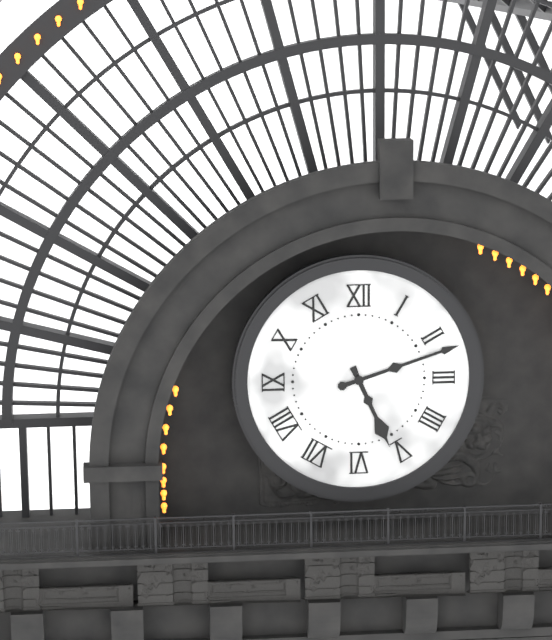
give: {"hour": 5, "minute": 12}
